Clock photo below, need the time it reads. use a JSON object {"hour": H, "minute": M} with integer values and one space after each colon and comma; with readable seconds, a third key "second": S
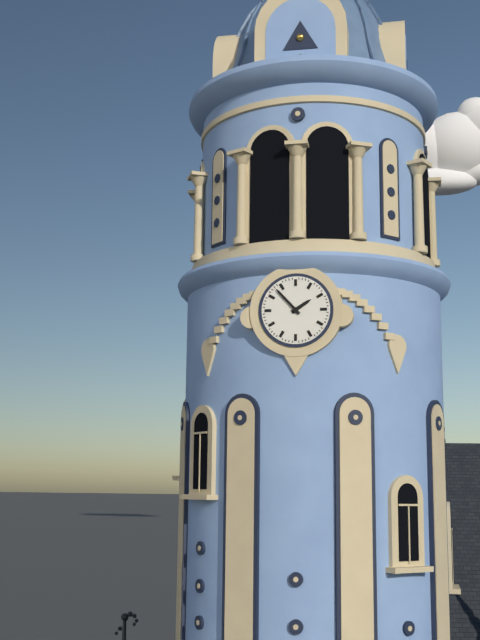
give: {"hour": 1, "minute": 53}
